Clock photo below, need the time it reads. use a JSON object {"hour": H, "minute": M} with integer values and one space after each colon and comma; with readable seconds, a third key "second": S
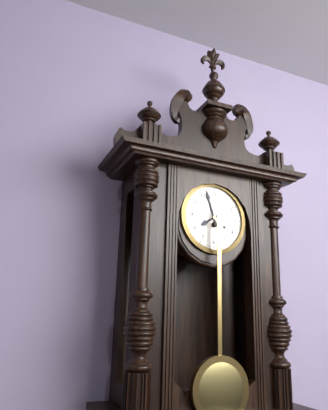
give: {"hour": 7, "minute": 57}
